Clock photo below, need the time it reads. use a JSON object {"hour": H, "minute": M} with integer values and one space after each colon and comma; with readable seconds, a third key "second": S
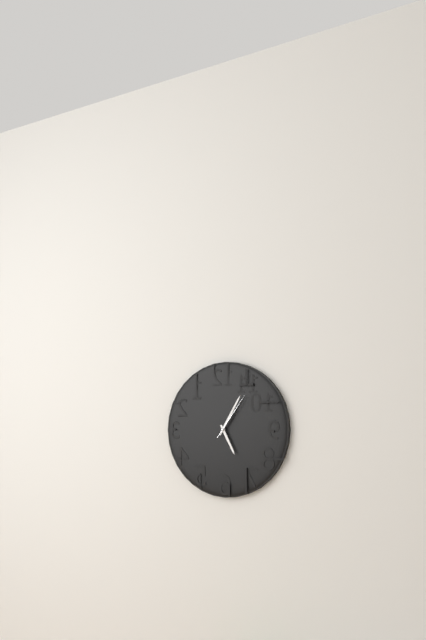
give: {"hour": 5, "minute": 5}
